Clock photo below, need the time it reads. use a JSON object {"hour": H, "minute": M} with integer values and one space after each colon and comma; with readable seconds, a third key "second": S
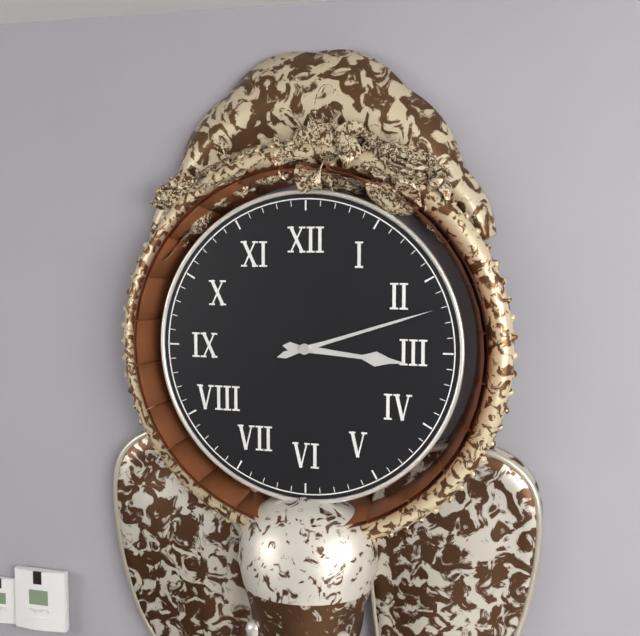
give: {"hour": 3, "minute": 12}
